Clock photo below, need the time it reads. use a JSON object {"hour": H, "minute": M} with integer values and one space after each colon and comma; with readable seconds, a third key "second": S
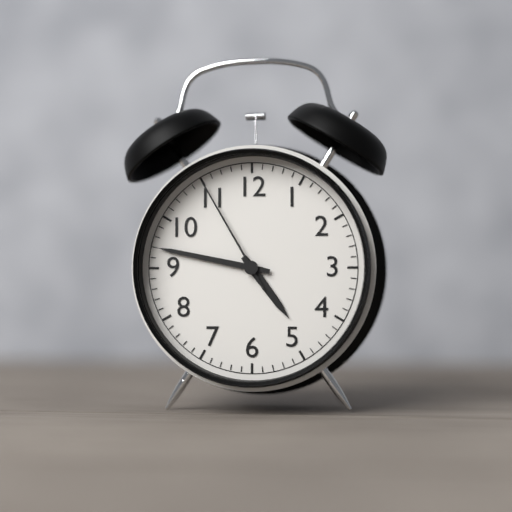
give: {"hour": 4, "minute": 47, "second": 55}
